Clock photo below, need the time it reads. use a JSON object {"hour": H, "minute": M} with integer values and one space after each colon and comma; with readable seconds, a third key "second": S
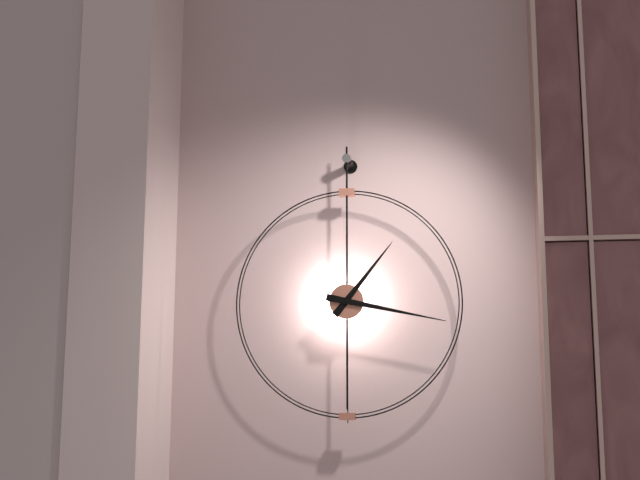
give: {"hour": 1, "minute": 17}
